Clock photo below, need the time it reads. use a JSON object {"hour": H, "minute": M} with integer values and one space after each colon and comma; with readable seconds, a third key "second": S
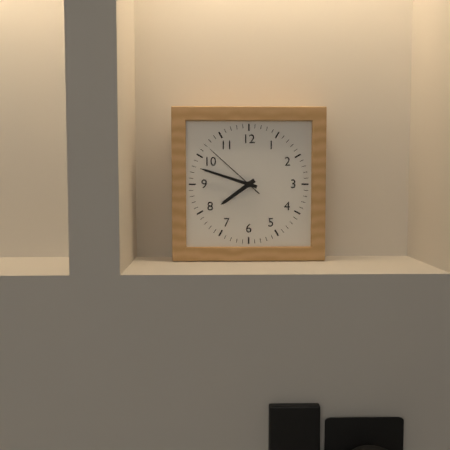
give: {"hour": 7, "minute": 48, "second": 52}
